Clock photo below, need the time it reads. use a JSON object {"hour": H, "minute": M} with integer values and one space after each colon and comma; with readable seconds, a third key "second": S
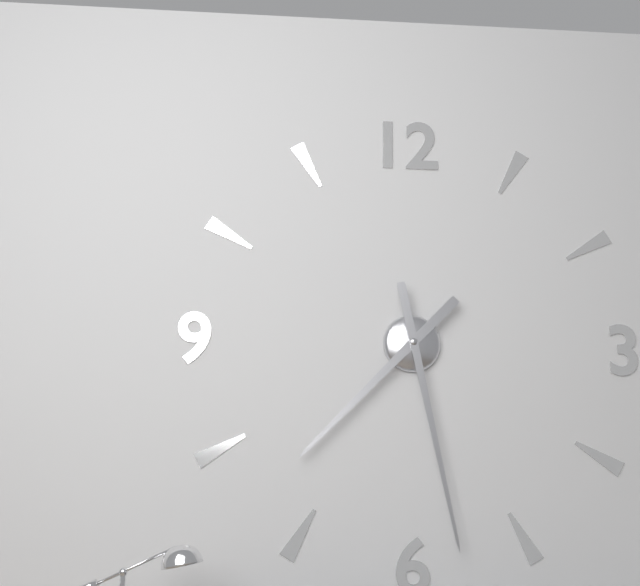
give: {"hour": 7, "minute": 28}
